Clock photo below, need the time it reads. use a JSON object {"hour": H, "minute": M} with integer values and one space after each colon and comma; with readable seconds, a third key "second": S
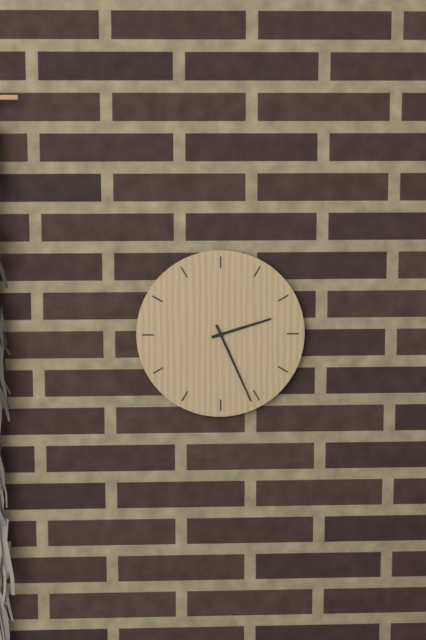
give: {"hour": 2, "minute": 26}
